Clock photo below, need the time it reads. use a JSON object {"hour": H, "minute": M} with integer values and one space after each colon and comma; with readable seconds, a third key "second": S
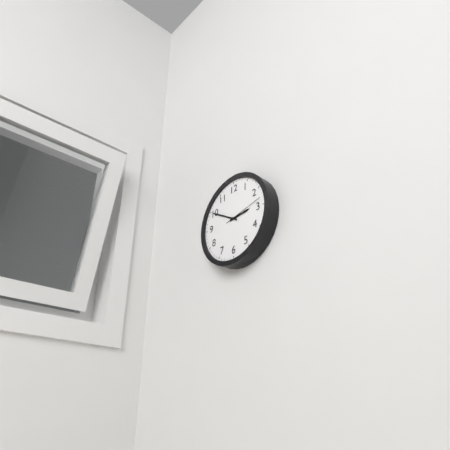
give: {"hour": 2, "minute": 50}
